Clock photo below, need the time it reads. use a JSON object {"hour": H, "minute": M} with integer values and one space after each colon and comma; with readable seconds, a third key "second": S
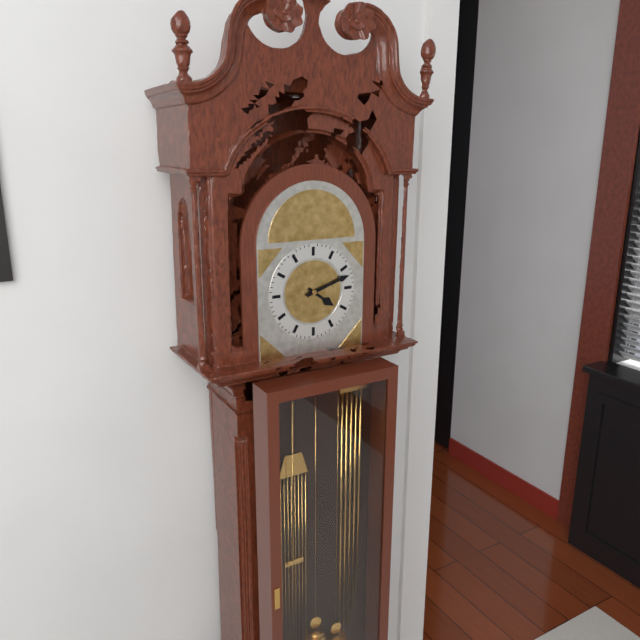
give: {"hour": 4, "minute": 12}
